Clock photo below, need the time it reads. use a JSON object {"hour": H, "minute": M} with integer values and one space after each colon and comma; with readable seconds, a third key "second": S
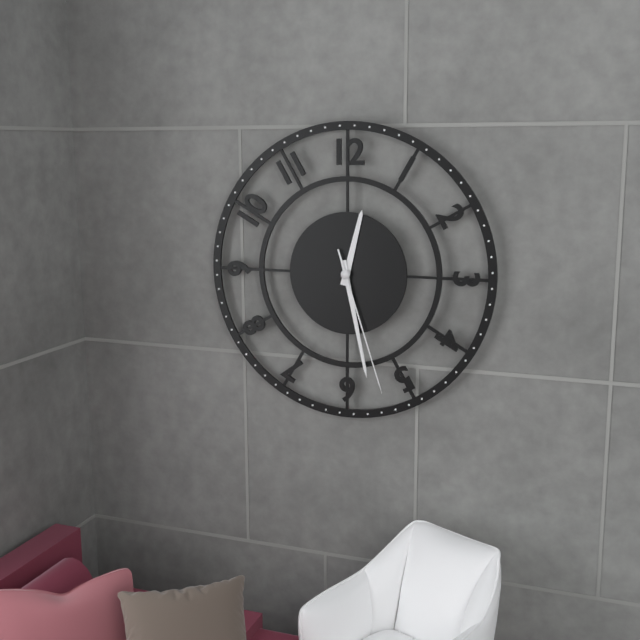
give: {"hour": 12, "minute": 28, "second": 27}
